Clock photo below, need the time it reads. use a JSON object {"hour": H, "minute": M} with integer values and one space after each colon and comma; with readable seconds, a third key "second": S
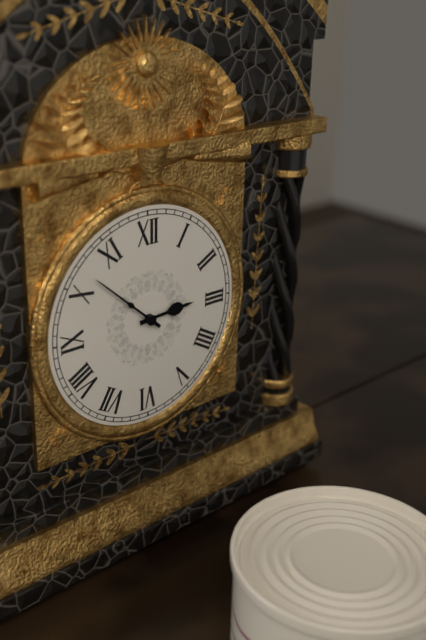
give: {"hour": 2, "minute": 52}
